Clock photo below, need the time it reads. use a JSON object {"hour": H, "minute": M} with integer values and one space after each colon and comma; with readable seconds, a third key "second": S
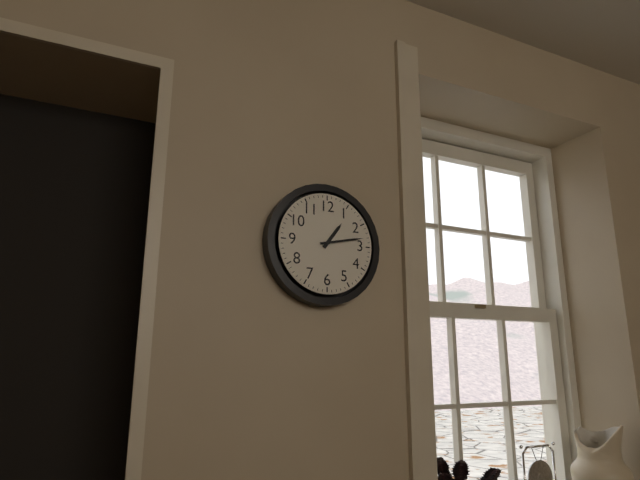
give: {"hour": 1, "minute": 13}
